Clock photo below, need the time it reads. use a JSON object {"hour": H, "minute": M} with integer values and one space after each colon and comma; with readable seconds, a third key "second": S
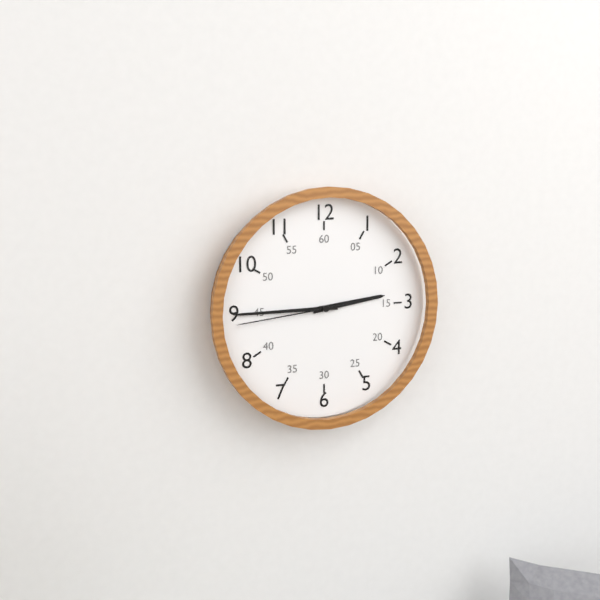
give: {"hour": 2, "minute": 45, "second": 44}
